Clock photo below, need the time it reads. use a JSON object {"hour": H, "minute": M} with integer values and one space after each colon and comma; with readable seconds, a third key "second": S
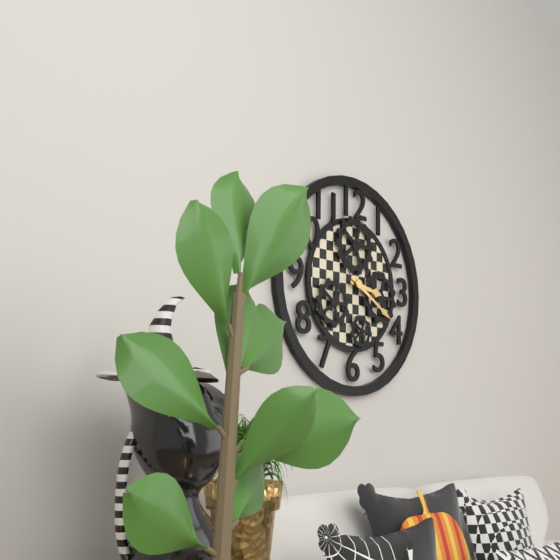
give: {"hour": 3, "minute": 20}
